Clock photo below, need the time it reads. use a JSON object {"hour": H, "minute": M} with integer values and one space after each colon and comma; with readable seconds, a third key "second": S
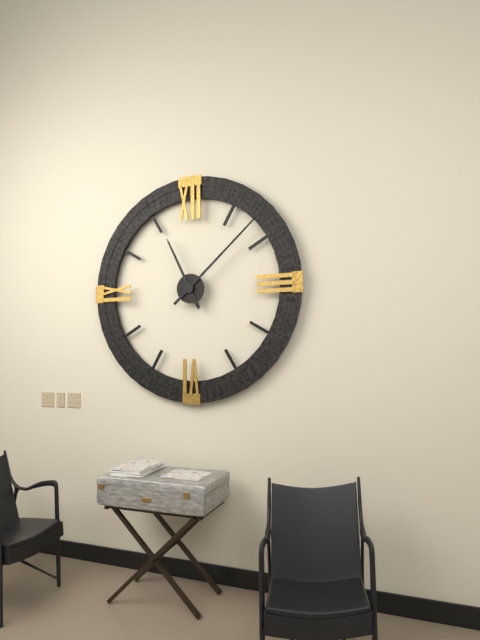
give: {"hour": 11, "minute": 8}
